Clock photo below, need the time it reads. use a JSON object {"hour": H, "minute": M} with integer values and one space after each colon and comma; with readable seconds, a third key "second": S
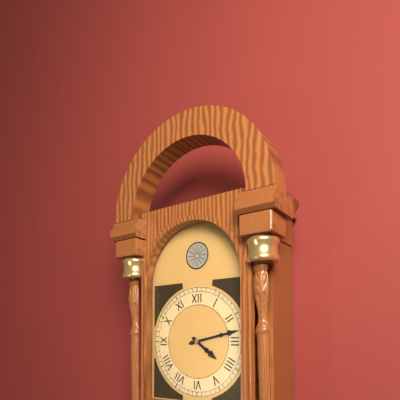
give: {"hour": 4, "minute": 13}
